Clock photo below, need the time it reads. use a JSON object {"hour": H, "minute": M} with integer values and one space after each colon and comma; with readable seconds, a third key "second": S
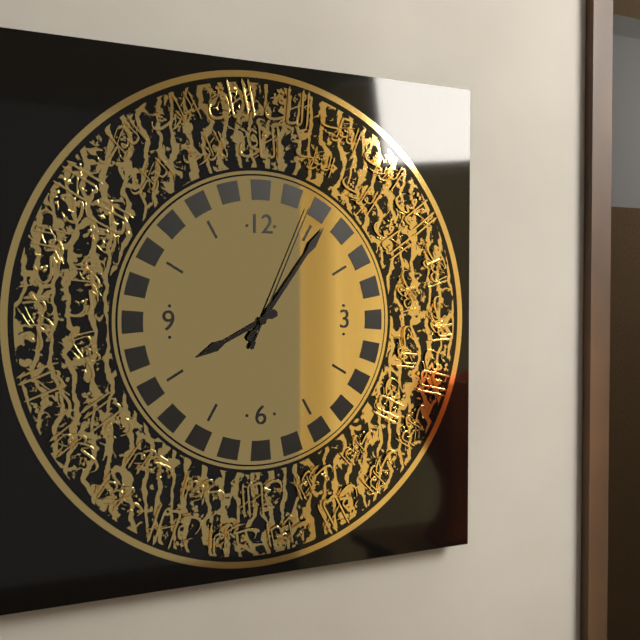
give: {"hour": 8, "minute": 6, "second": 4}
